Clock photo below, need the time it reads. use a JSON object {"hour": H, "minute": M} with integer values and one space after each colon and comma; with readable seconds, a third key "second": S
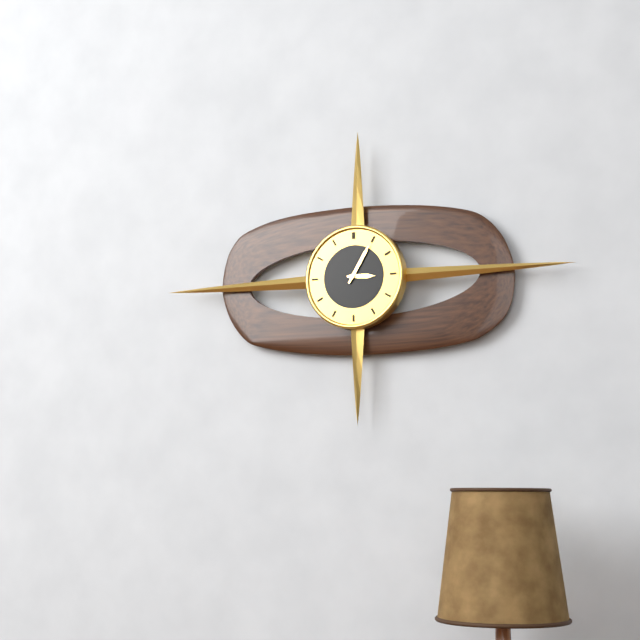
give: {"hour": 3, "minute": 5}
